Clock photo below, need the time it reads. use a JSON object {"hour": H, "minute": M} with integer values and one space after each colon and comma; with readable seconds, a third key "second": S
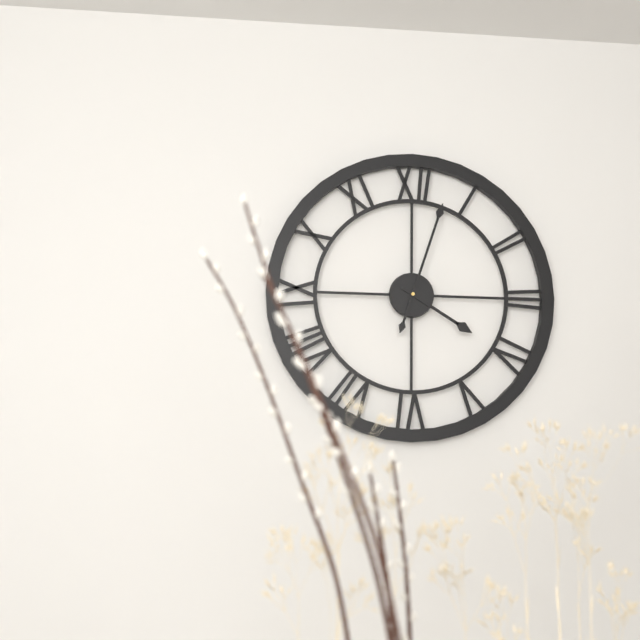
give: {"hour": 4, "minute": 3}
